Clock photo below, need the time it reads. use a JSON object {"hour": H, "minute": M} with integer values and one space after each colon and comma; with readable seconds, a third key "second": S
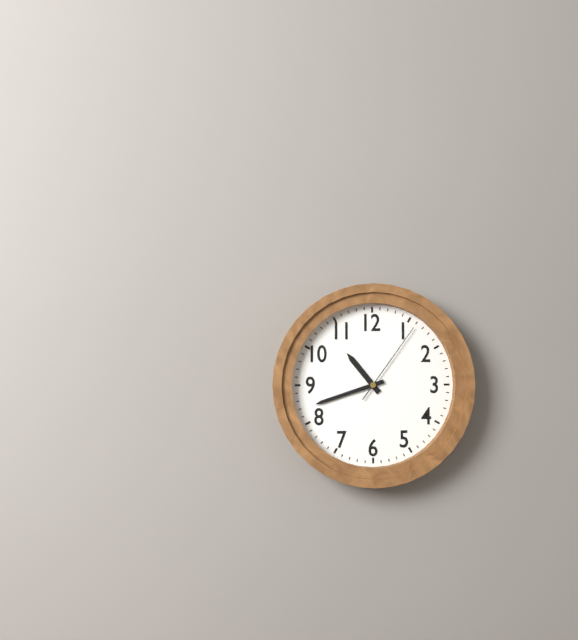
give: {"hour": 10, "minute": 42, "second": 6}
